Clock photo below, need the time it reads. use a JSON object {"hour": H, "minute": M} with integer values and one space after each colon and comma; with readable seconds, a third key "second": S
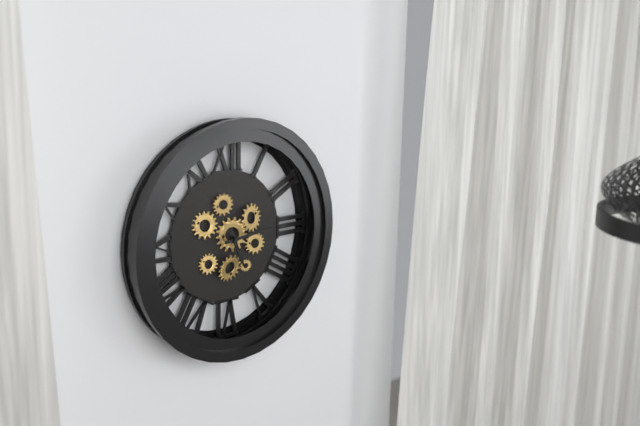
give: {"hour": 5, "minute": 14}
